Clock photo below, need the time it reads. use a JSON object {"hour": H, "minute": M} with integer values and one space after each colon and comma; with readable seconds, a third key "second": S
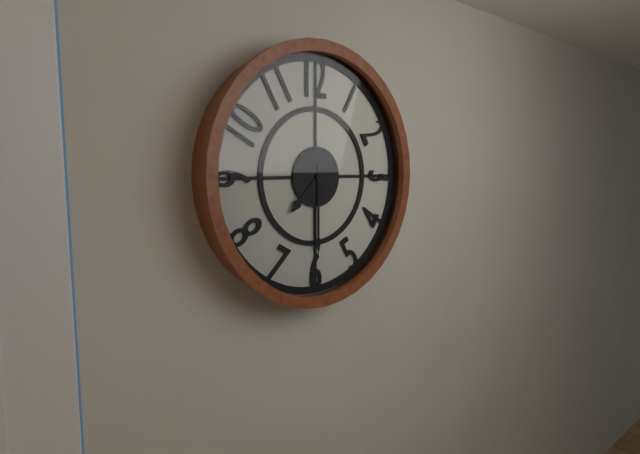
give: {"hour": 7, "minute": 30}
